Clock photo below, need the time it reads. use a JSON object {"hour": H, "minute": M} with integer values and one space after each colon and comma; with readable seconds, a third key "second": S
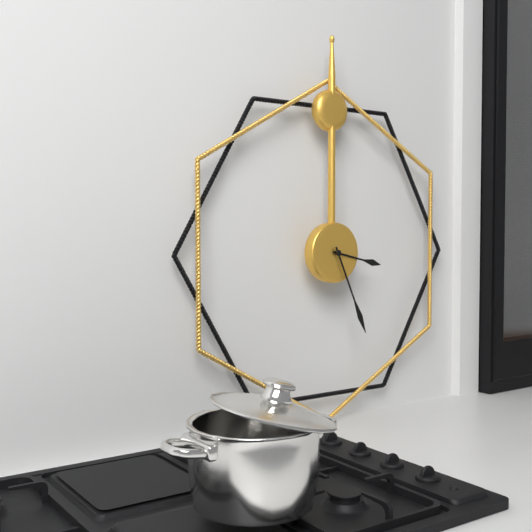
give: {"hour": 3, "minute": 26}
